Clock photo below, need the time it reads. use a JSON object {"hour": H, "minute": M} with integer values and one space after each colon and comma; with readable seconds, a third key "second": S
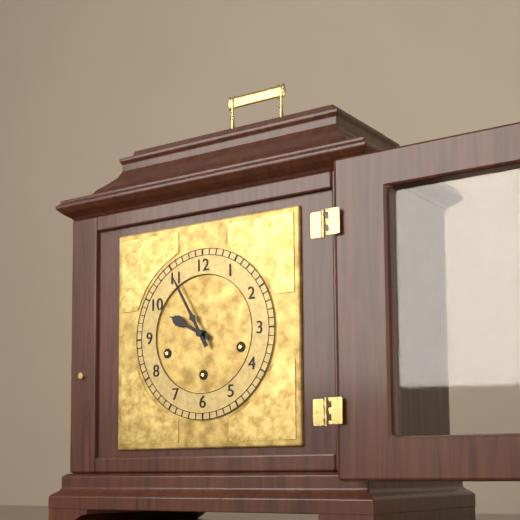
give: {"hour": 9, "minute": 55}
